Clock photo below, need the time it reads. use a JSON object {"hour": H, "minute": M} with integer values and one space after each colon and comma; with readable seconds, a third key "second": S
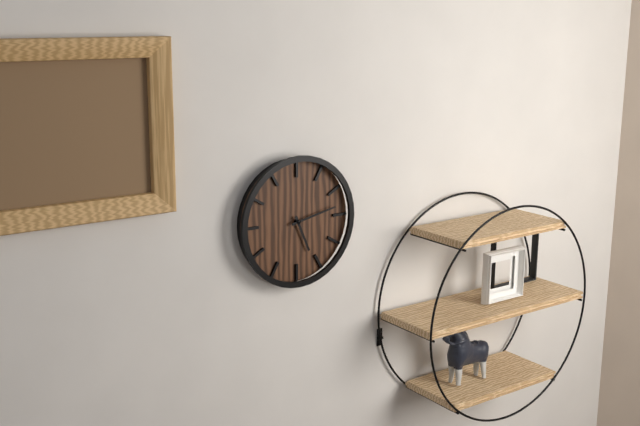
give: {"hour": 5, "minute": 13}
